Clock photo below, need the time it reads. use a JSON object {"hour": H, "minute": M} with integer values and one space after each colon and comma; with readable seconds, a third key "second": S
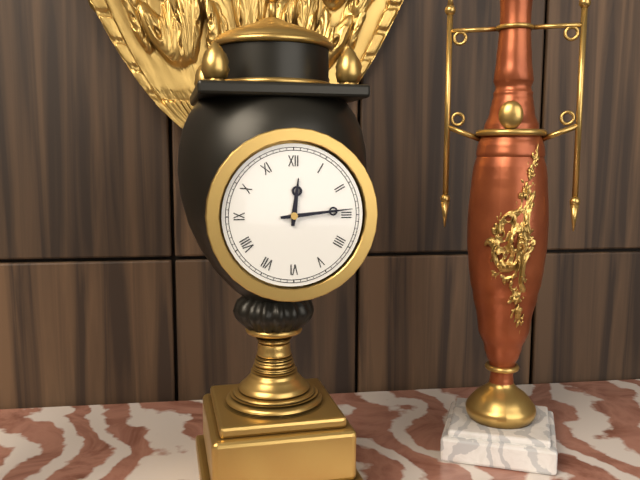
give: {"hour": 12, "minute": 14}
